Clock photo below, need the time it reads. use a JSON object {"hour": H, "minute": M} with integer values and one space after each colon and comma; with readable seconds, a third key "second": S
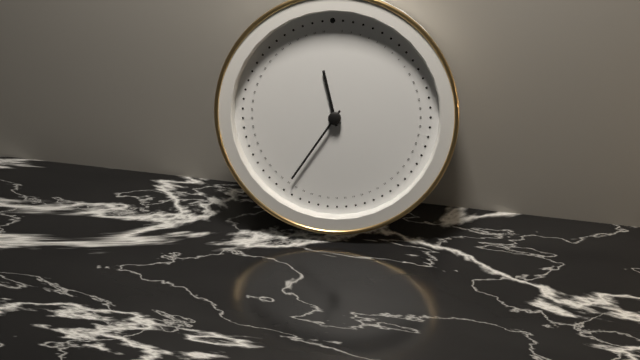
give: {"hour": 11, "minute": 36}
